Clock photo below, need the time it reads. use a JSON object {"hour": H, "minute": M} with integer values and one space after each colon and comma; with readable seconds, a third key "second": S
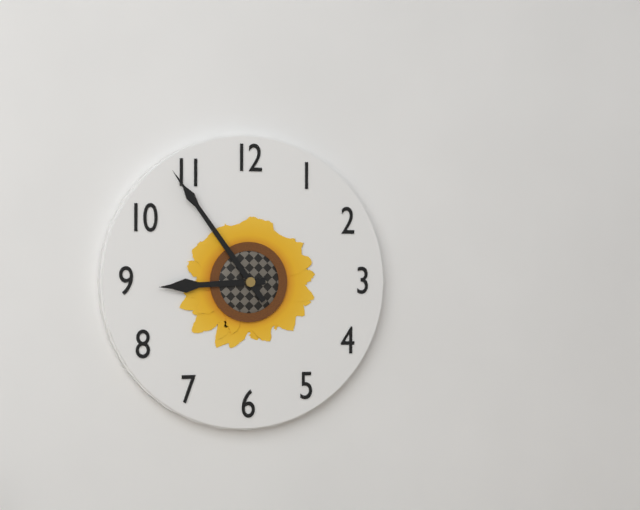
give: {"hour": 8, "minute": 54}
